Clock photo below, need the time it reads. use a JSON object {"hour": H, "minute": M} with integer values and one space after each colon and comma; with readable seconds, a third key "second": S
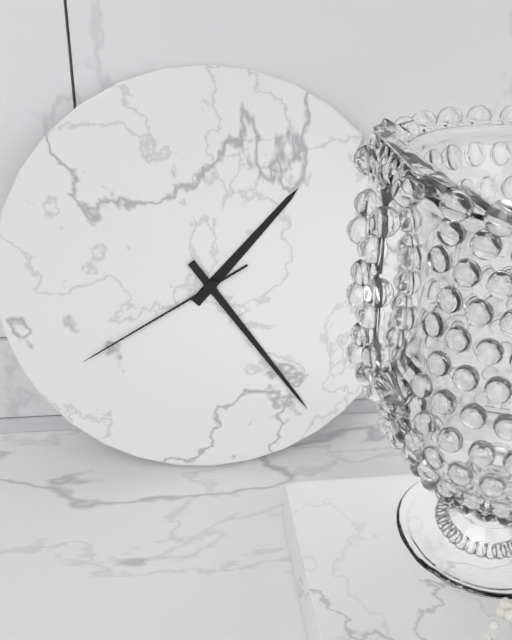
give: {"hour": 1, "minute": 24, "second": 40}
